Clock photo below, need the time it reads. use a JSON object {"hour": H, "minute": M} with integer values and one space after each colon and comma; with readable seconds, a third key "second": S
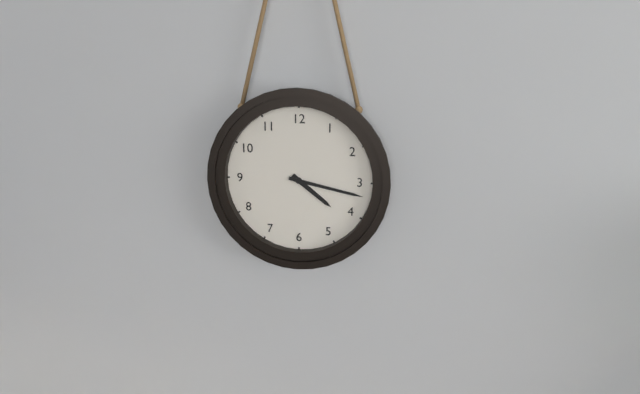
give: {"hour": 4, "minute": 17}
